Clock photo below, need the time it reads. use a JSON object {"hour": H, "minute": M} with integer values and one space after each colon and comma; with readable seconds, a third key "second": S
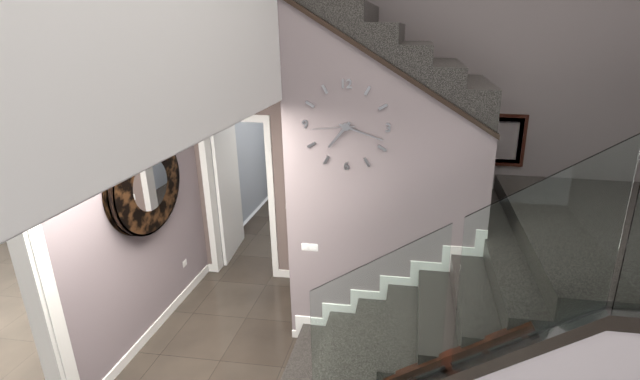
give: {"hour": 7, "minute": 18}
